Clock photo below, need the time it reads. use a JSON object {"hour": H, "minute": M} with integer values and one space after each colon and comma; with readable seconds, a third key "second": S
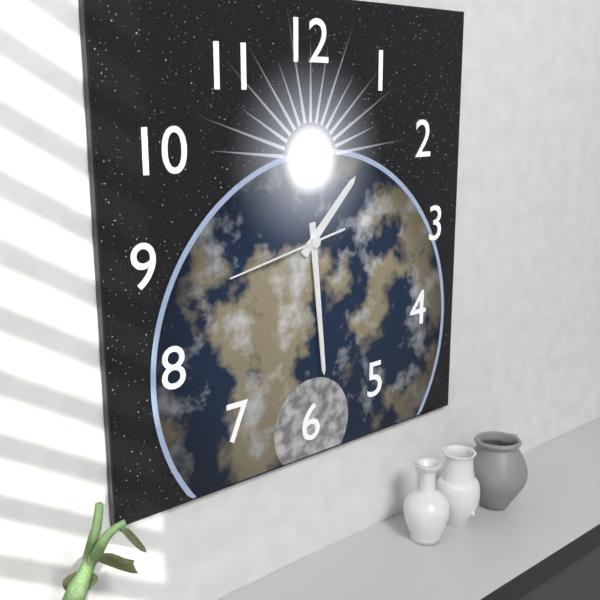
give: {"hour": 1, "minute": 29, "second": 43}
